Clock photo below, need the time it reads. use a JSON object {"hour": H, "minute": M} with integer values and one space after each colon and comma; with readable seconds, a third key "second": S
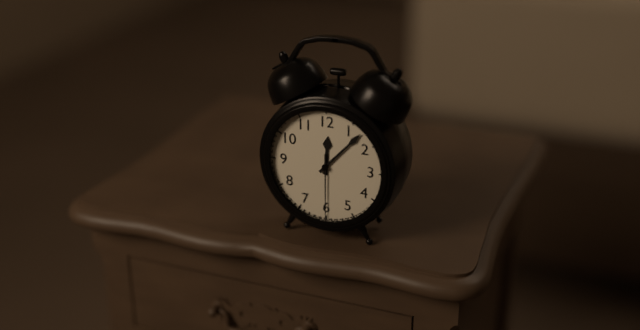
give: {"hour": 12, "minute": 7, "second": 30}
